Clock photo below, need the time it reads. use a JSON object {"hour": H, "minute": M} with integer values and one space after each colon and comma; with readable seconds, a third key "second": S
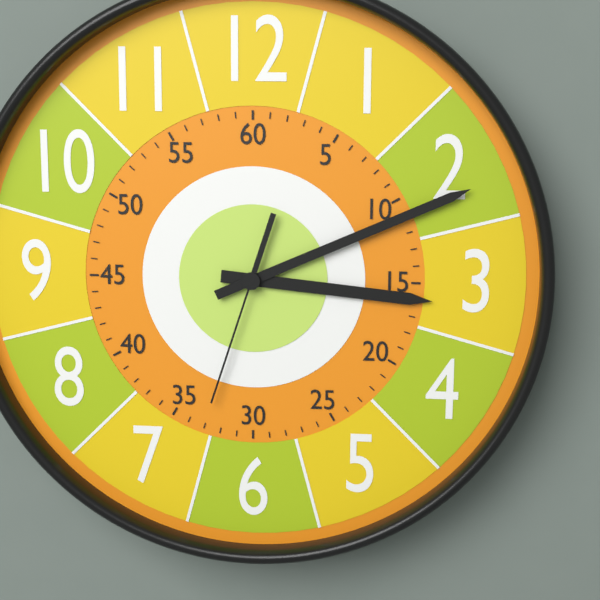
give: {"hour": 3, "minute": 11, "second": 33}
